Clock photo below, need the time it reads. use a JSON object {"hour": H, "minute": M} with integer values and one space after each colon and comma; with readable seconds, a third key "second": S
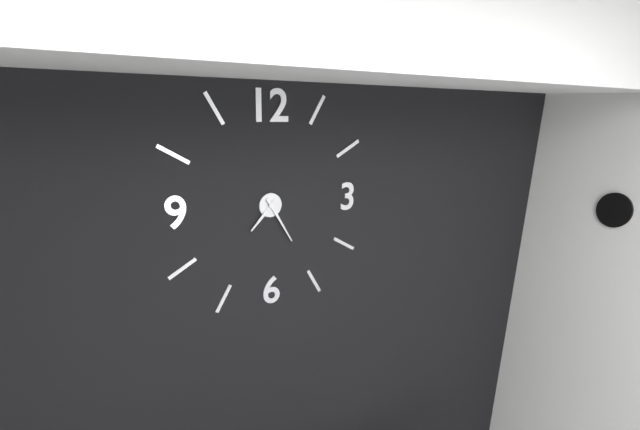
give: {"hour": 7, "minute": 25}
